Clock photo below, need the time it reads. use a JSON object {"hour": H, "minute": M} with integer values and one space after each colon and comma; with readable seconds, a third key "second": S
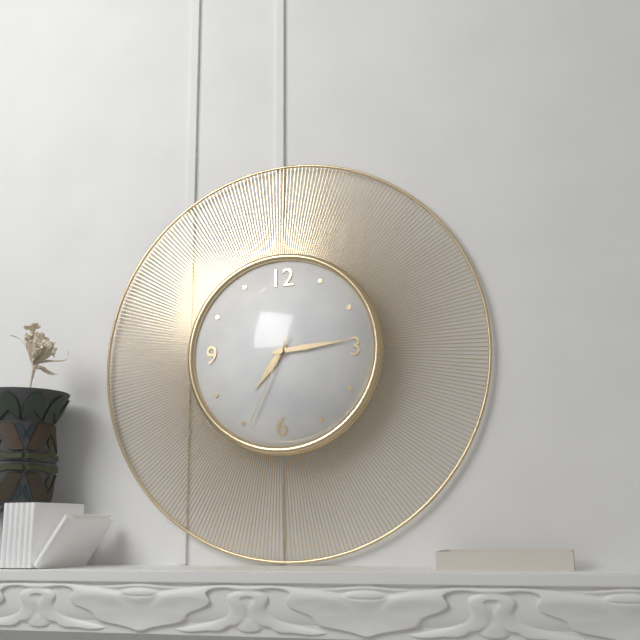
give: {"hour": 7, "minute": 14, "second": 34}
